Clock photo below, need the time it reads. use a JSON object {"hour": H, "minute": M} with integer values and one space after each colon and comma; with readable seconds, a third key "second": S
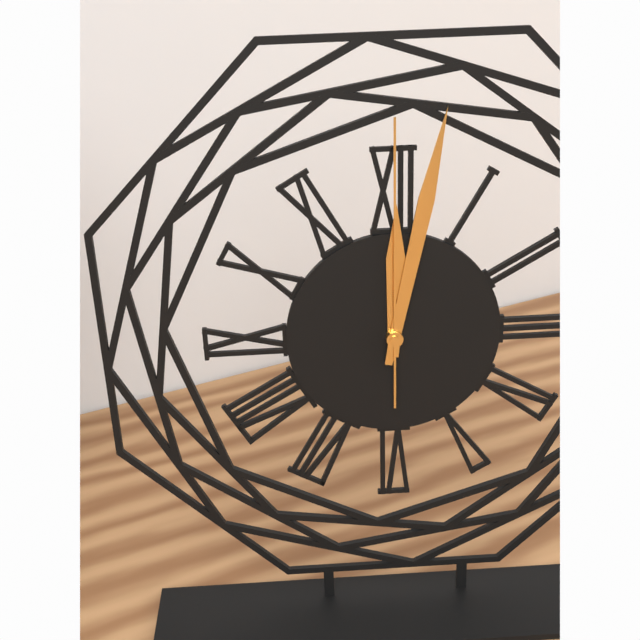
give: {"hour": 12, "minute": 2, "second": 0}
